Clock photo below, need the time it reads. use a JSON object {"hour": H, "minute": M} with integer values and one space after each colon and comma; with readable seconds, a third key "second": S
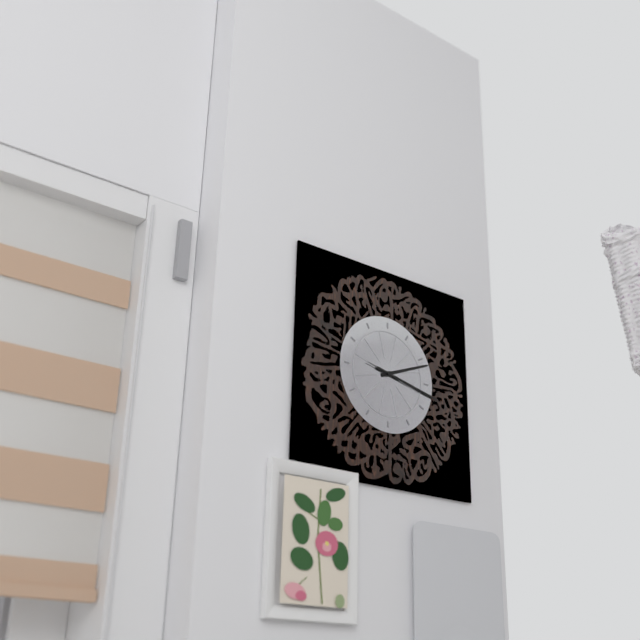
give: {"hour": 2, "minute": 17}
